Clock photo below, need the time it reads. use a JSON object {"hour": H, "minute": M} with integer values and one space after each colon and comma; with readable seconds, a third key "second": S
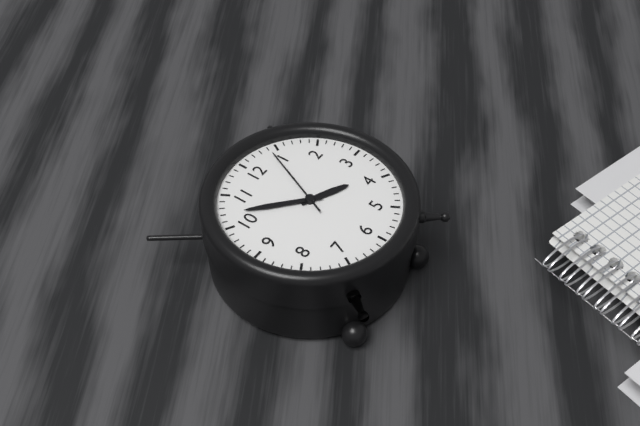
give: {"hour": 3, "minute": 52, "second": 4}
